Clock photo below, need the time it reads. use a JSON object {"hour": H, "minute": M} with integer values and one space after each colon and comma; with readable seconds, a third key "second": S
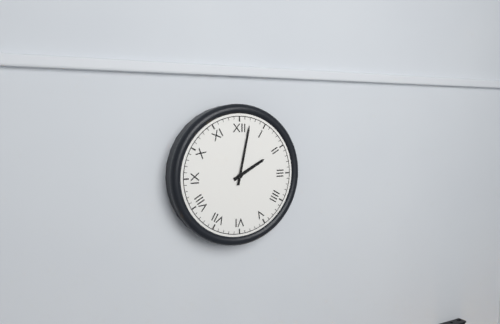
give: {"hour": 2, "minute": 2}
